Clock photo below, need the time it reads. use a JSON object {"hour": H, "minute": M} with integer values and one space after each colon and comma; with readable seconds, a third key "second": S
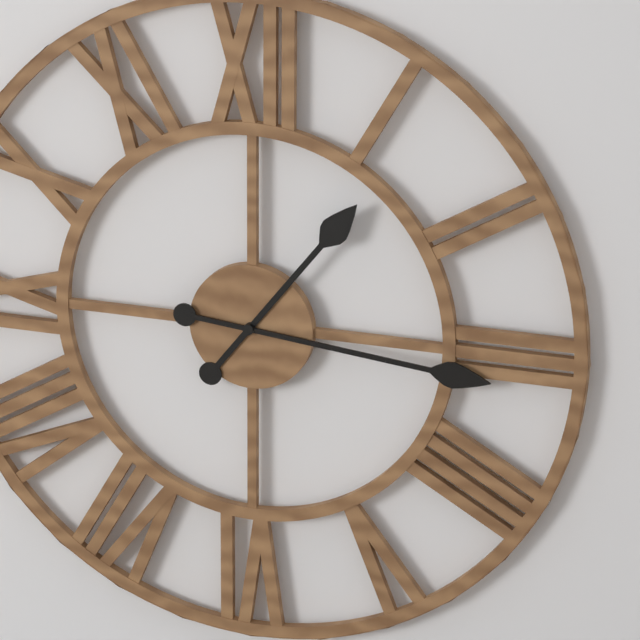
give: {"hour": 1, "minute": 16}
